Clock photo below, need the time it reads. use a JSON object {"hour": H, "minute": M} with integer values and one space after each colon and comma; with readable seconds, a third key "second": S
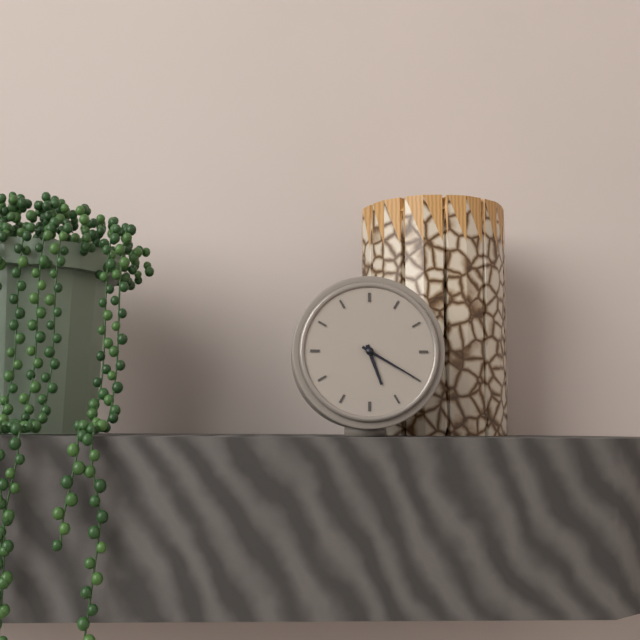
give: {"hour": 5, "minute": 20}
